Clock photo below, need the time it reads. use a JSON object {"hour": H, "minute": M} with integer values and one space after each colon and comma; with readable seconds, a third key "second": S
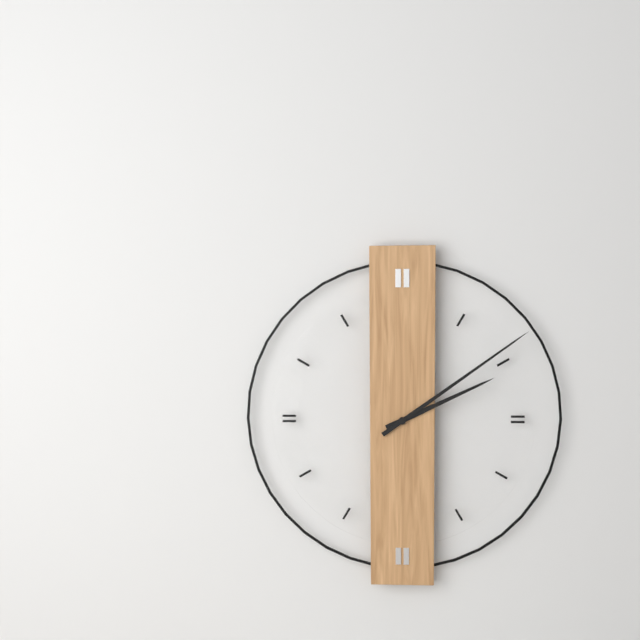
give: {"hour": 2, "minute": 9}
